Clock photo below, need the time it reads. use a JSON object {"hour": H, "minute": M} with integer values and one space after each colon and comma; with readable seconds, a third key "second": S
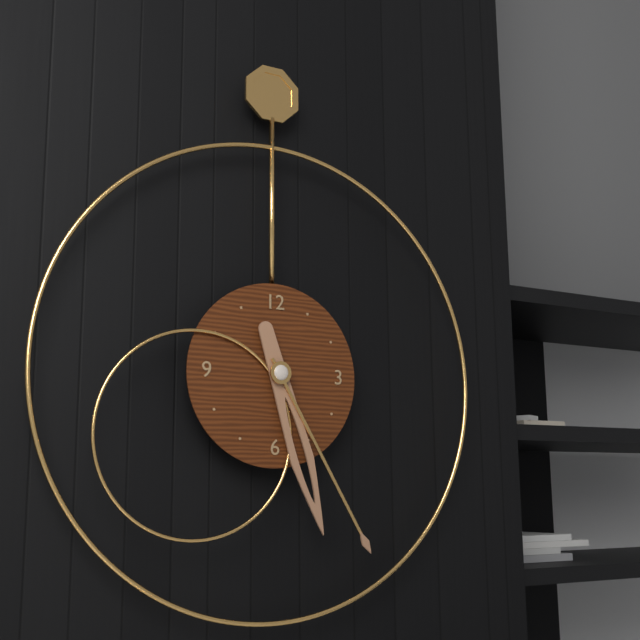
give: {"hour": 5, "minute": 25}
